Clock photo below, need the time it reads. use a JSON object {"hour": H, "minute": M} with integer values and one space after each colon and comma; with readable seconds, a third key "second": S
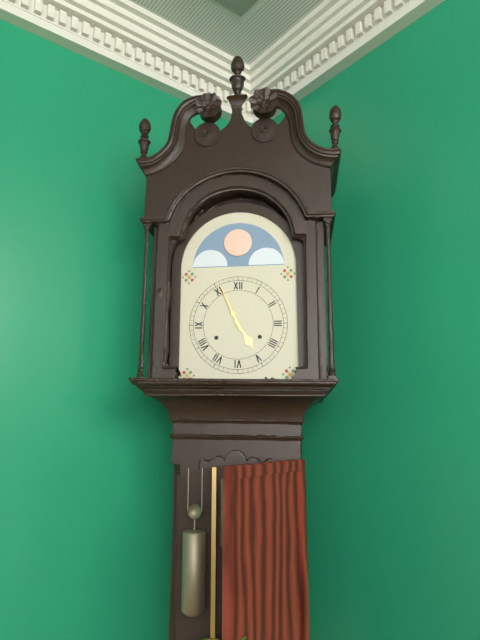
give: {"hour": 4, "minute": 56}
